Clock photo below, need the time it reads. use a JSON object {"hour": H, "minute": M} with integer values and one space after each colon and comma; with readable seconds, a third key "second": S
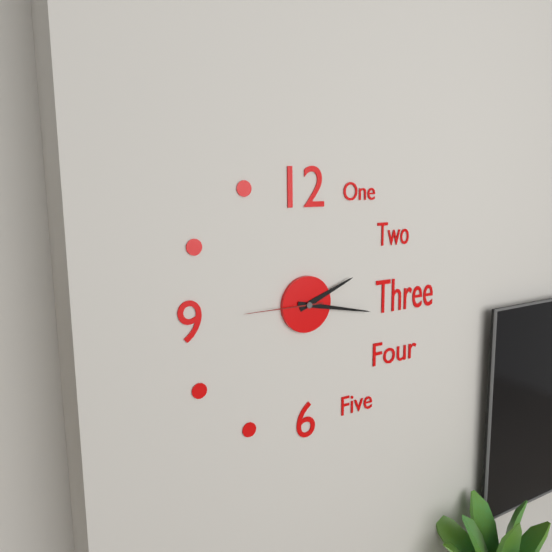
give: {"hour": 2, "minute": 17, "second": 45}
